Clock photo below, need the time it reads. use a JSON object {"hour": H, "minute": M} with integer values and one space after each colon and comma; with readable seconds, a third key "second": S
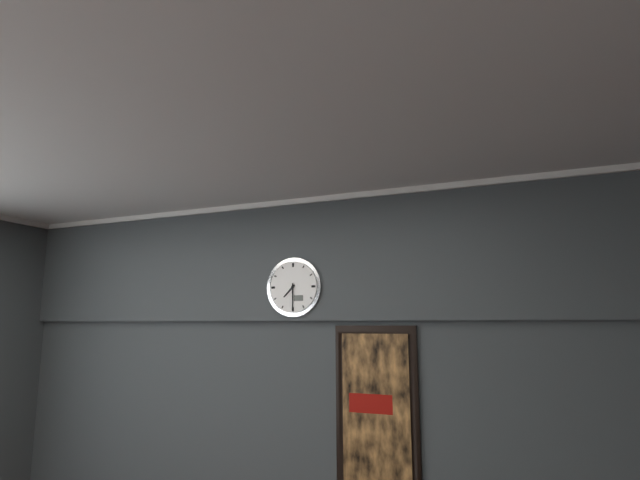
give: {"hour": 7, "minute": 30}
